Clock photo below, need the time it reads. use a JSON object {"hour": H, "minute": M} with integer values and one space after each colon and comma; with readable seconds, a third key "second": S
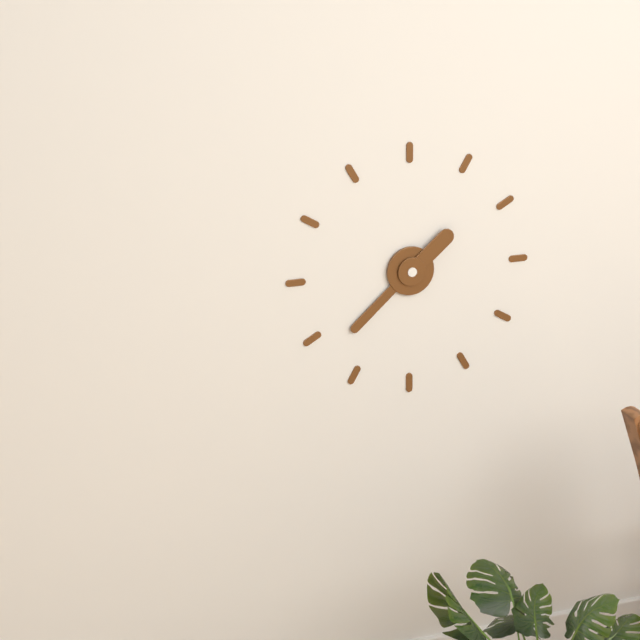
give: {"hour": 1, "minute": 38}
